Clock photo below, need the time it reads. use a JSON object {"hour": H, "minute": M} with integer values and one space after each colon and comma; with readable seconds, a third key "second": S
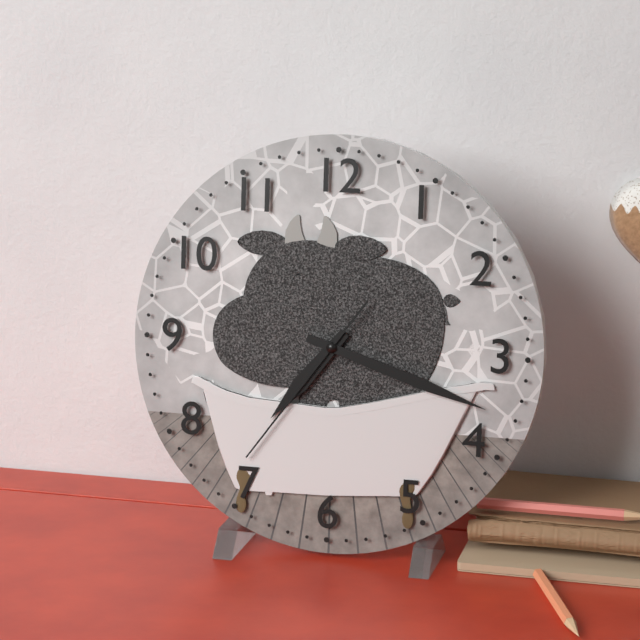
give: {"hour": 7, "minute": 18, "second": 36}
